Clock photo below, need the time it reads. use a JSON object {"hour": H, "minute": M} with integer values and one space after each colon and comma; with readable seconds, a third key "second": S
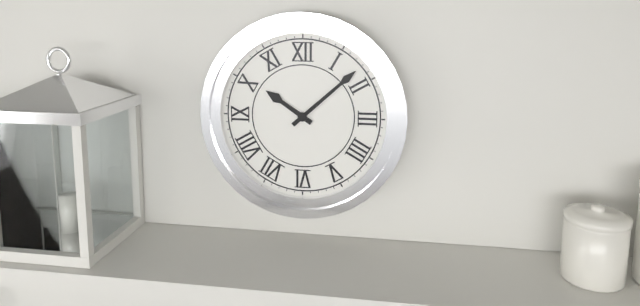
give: {"hour": 10, "minute": 8}
